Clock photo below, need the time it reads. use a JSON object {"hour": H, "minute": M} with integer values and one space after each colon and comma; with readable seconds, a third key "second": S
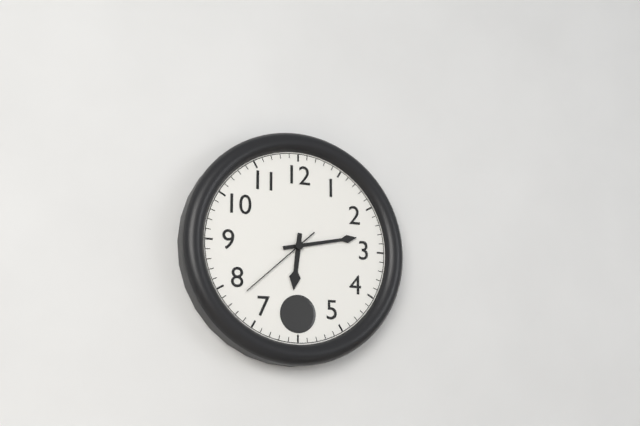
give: {"hour": 6, "minute": 13, "second": 38}
